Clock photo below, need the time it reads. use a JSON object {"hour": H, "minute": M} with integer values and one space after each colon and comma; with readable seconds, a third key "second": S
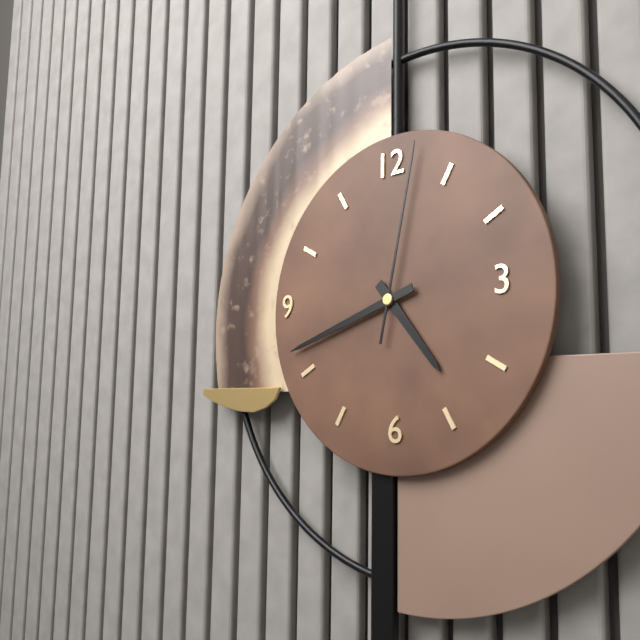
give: {"hour": 4, "minute": 42, "second": 2}
